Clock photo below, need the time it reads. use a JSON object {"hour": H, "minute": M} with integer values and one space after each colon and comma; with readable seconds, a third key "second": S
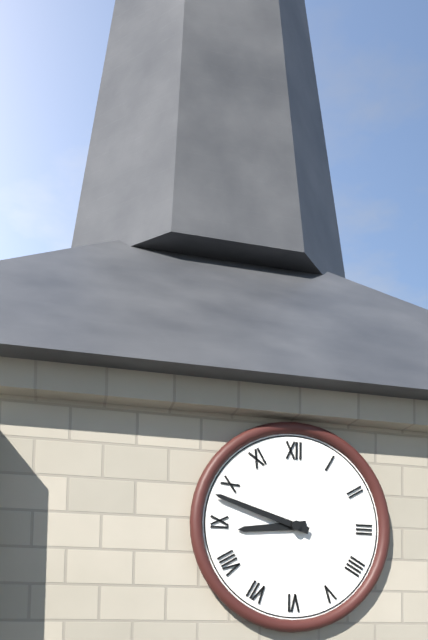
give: {"hour": 8, "minute": 48}
